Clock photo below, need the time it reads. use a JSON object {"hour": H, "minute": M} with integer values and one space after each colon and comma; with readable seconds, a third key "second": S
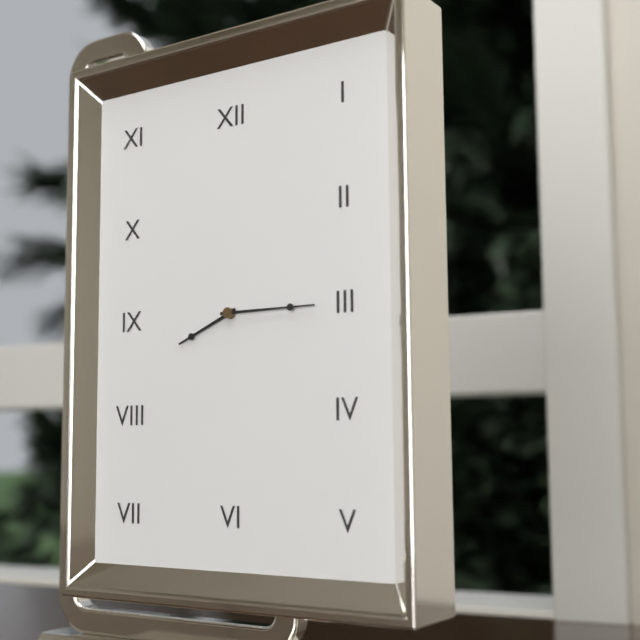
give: {"hour": 8, "minute": 15}
